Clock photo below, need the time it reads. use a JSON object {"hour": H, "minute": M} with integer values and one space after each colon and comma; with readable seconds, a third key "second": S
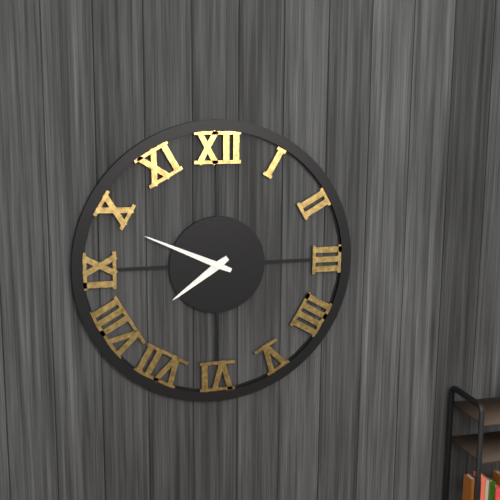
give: {"hour": 7, "minute": 49}
